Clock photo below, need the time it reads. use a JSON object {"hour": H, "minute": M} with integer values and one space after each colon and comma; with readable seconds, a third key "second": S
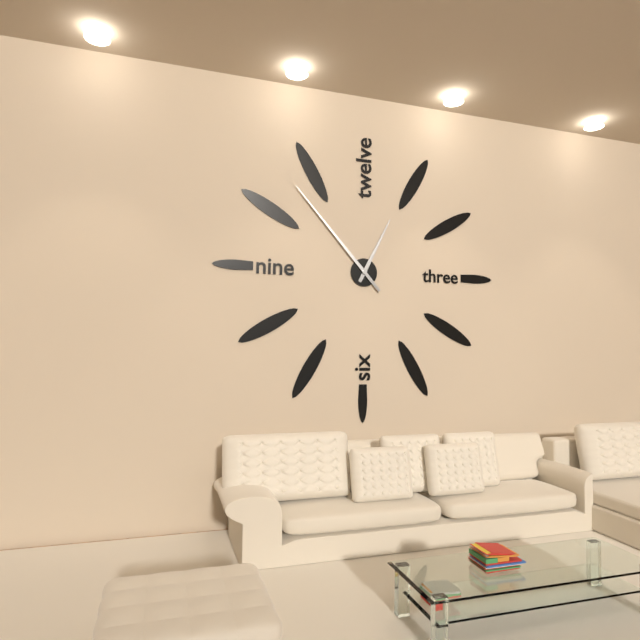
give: {"hour": 12, "minute": 53}
